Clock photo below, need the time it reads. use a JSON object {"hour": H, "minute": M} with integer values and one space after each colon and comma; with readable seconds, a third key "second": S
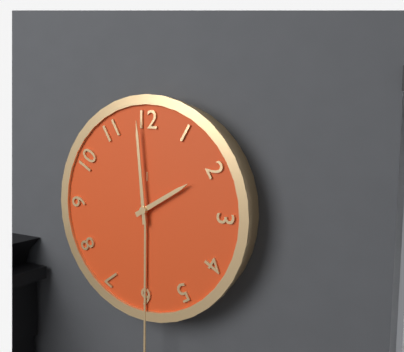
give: {"hour": 1, "minute": 59}
